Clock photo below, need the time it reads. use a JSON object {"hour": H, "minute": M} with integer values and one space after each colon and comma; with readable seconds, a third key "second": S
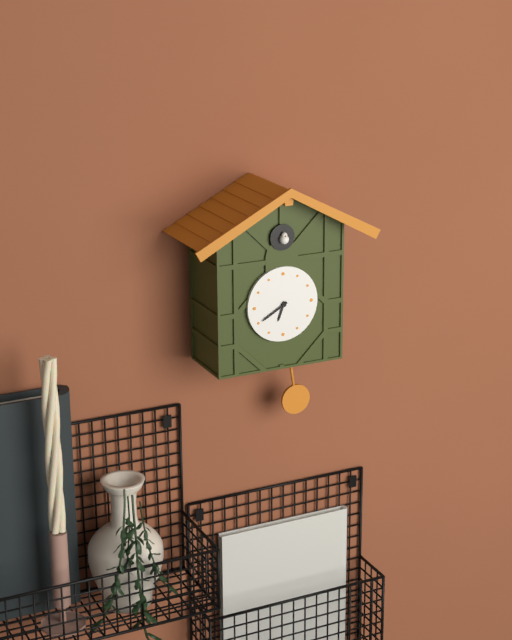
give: {"hour": 6, "minute": 40}
